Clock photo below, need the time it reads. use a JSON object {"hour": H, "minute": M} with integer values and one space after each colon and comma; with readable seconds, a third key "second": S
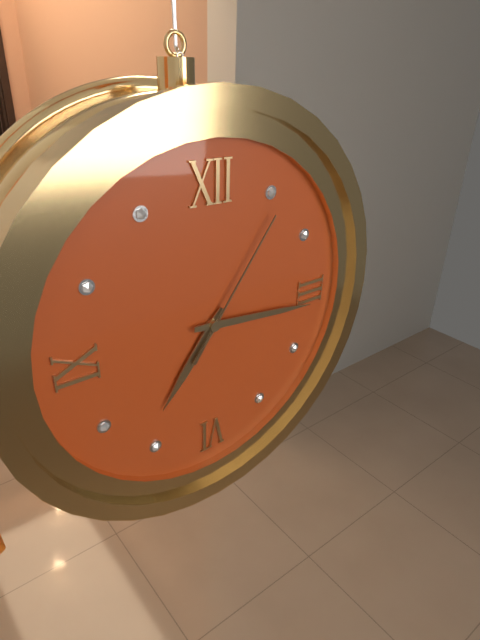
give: {"hour": 7, "minute": 16, "second": 6}
